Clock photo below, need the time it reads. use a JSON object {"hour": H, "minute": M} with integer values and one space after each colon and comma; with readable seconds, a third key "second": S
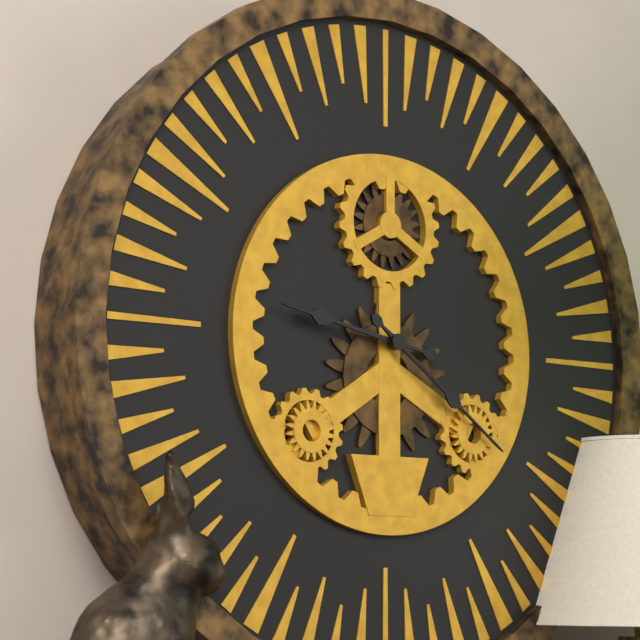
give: {"hour": 9, "minute": 21}
